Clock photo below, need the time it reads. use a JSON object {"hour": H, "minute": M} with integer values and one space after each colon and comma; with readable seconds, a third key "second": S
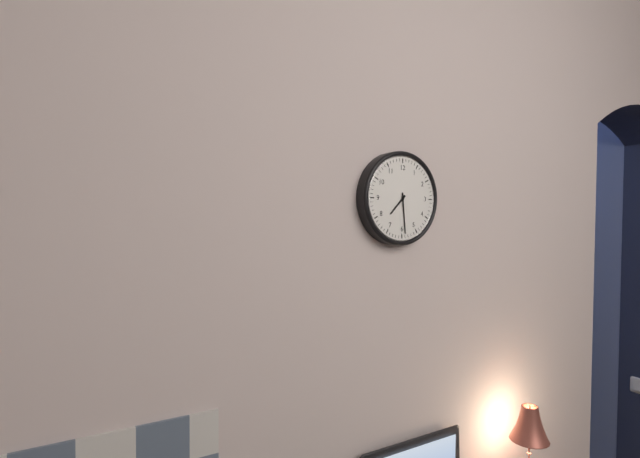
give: {"hour": 7, "minute": 29}
